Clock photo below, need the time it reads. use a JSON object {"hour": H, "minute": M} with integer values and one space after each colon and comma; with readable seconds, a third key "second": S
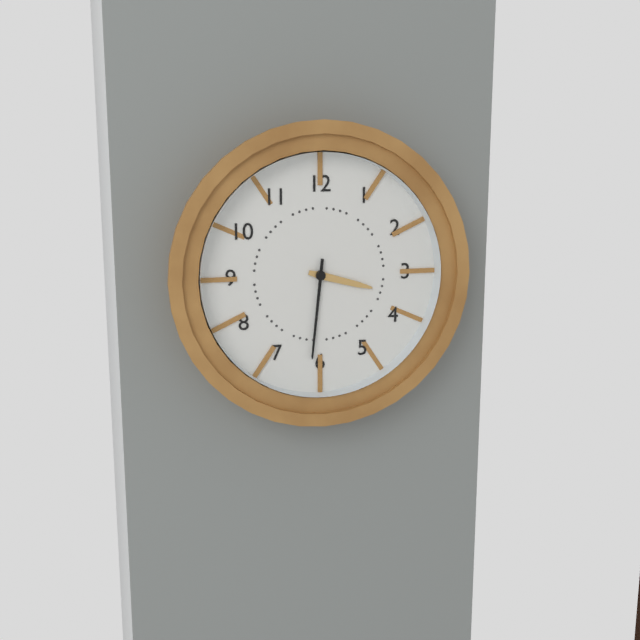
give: {"hour": 3, "minute": 31}
